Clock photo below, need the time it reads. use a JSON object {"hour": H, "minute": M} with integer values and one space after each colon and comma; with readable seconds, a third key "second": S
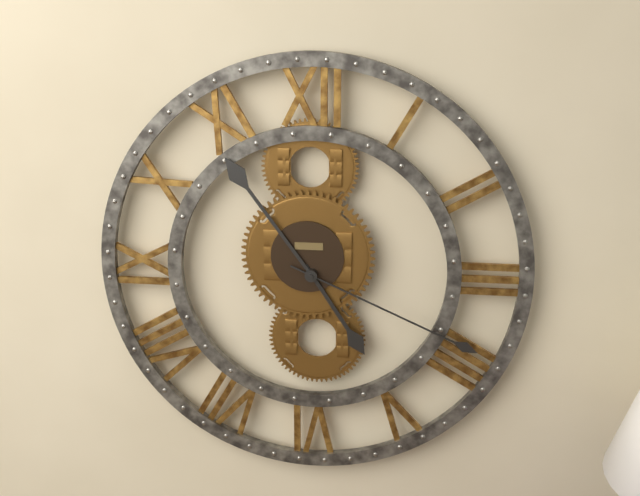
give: {"hour": 4, "minute": 54, "second": 19}
